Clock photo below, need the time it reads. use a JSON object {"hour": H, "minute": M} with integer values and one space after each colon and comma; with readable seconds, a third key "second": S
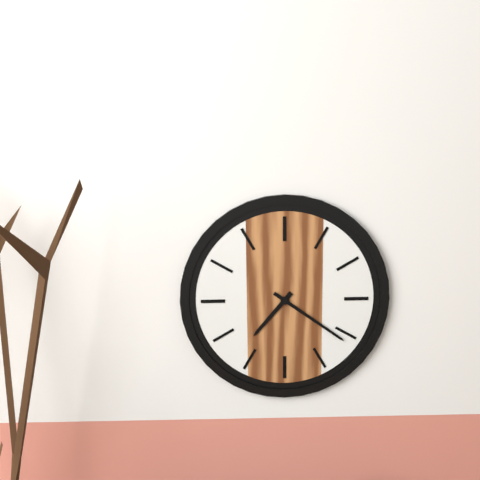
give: {"hour": 7, "minute": 21}
